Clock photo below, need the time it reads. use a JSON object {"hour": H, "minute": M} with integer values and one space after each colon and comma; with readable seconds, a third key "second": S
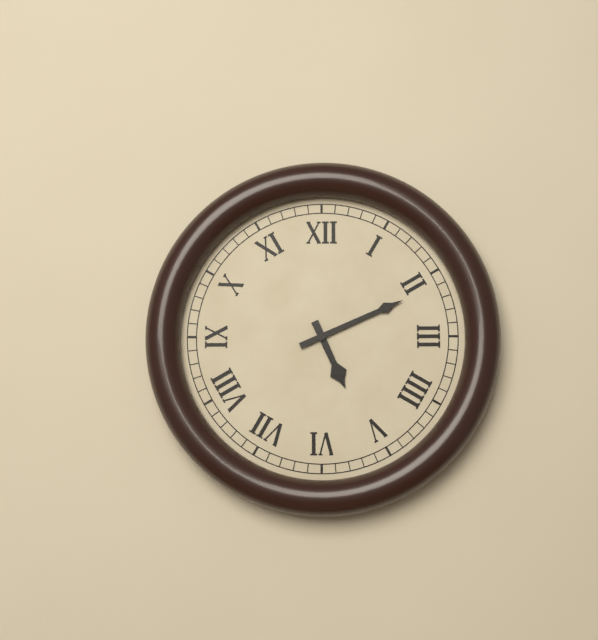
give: {"hour": 5, "minute": 11}
